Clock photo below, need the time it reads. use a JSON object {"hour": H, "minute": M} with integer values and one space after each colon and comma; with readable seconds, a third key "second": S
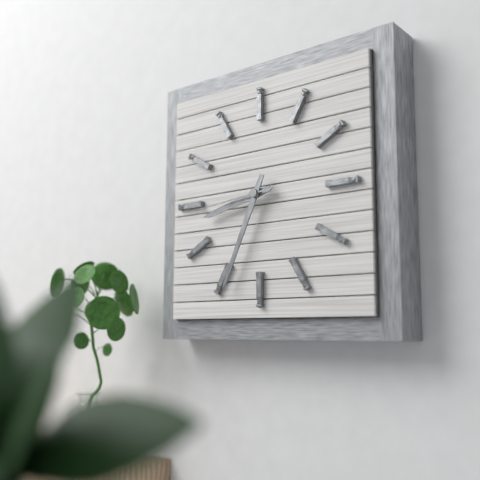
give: {"hour": 8, "minute": 34, "second": 44}
